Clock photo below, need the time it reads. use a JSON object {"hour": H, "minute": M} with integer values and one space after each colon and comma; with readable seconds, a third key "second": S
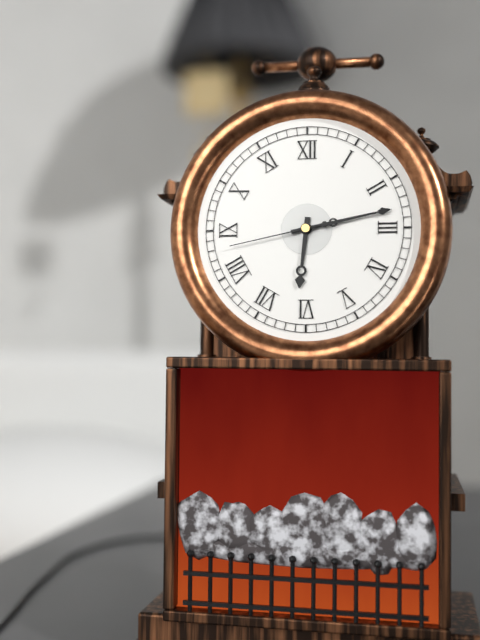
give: {"hour": 6, "minute": 13, "second": 43}
